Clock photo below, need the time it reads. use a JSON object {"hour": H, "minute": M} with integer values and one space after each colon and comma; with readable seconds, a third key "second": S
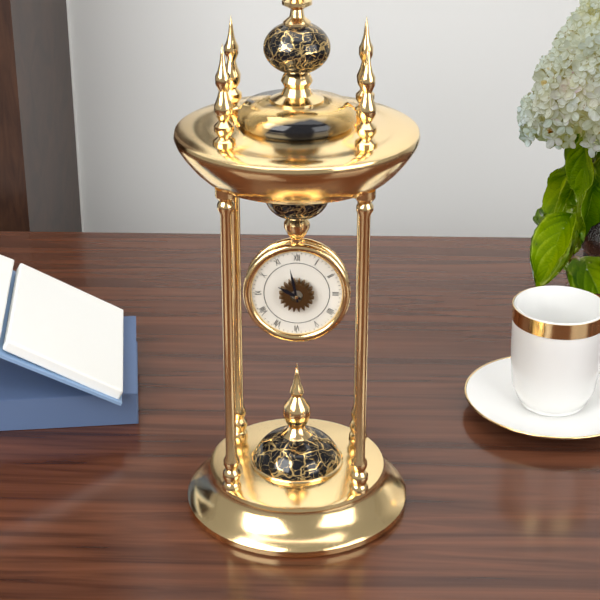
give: {"hour": 9, "minute": 58}
